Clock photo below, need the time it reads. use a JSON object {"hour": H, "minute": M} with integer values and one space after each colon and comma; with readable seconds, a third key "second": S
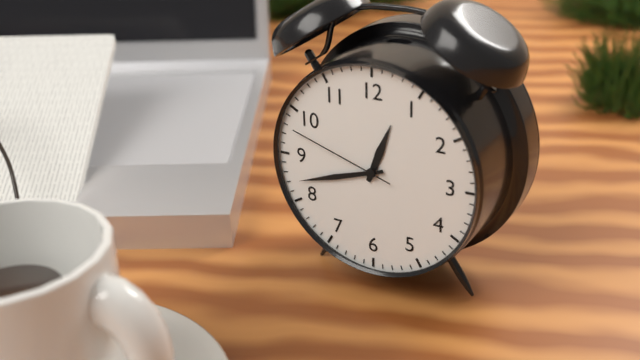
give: {"hour": 12, "minute": 42, "second": 48}
